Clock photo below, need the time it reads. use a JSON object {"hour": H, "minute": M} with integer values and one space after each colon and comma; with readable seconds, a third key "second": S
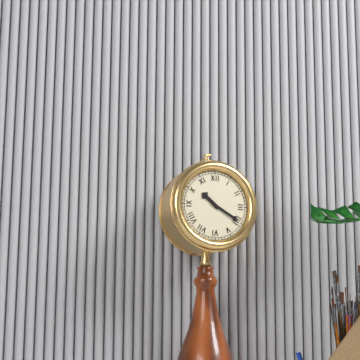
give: {"hour": 10, "minute": 20}
